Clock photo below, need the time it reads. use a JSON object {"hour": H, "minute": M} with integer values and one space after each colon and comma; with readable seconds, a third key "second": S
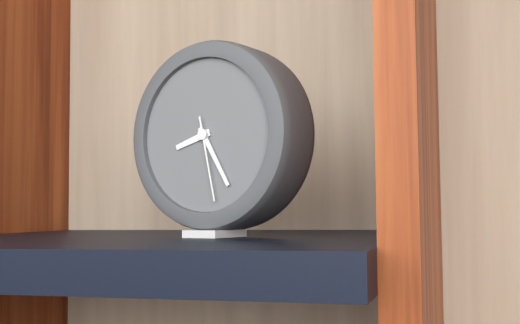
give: {"hour": 8, "minute": 25, "second": 28}
